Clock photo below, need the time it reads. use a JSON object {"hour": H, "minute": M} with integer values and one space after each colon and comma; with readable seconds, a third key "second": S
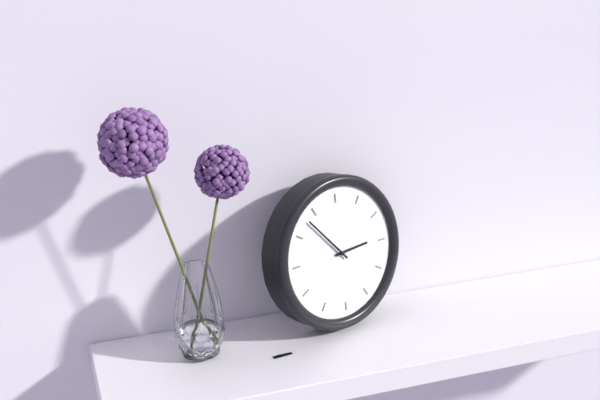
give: {"hour": 2, "minute": 53}
